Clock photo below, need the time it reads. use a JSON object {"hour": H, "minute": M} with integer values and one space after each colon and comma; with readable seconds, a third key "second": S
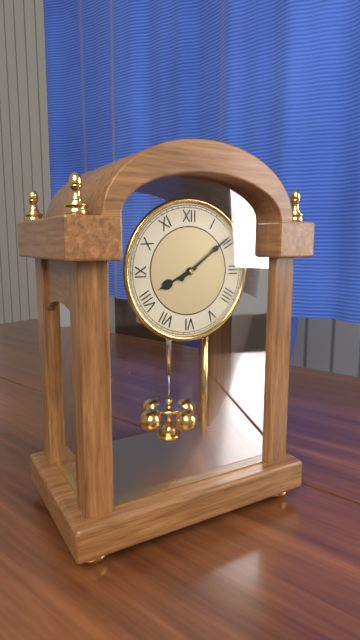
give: {"hour": 8, "minute": 9}
